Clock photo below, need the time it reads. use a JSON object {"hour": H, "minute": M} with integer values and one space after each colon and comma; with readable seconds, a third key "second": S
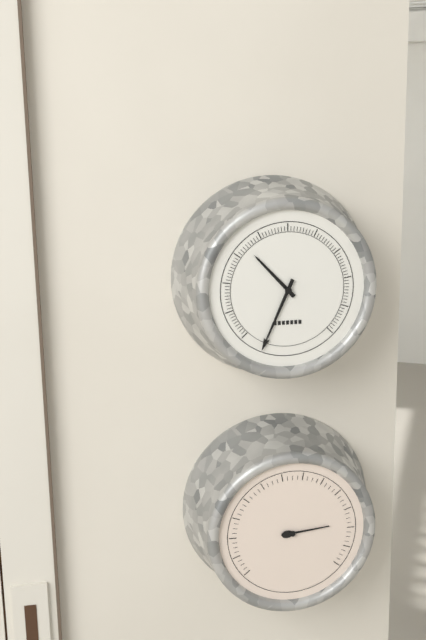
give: {"hour": 10, "minute": 34}
